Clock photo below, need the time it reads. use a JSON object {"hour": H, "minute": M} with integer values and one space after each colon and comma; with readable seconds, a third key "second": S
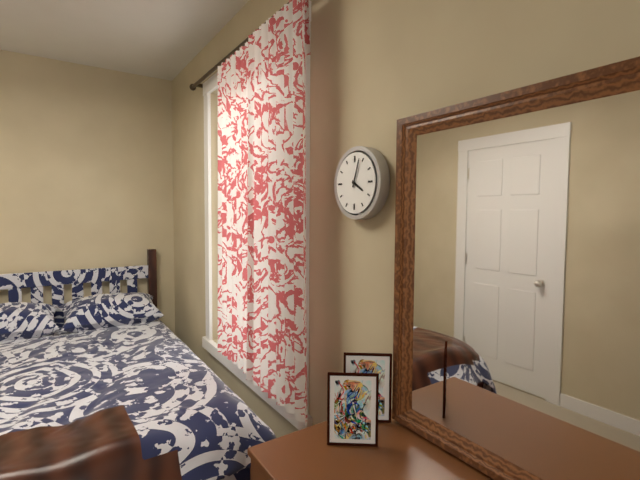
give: {"hour": 4, "minute": 3}
